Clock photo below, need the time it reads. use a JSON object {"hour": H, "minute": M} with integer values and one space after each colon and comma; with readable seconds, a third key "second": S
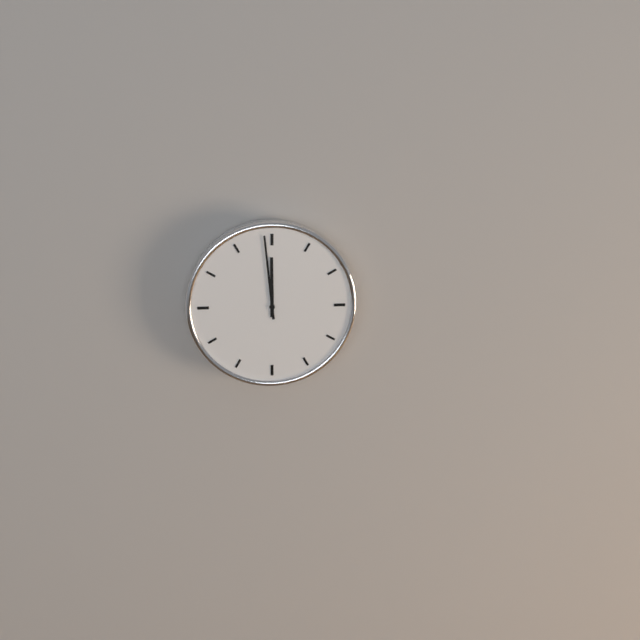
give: {"hour": 11, "minute": 59}
